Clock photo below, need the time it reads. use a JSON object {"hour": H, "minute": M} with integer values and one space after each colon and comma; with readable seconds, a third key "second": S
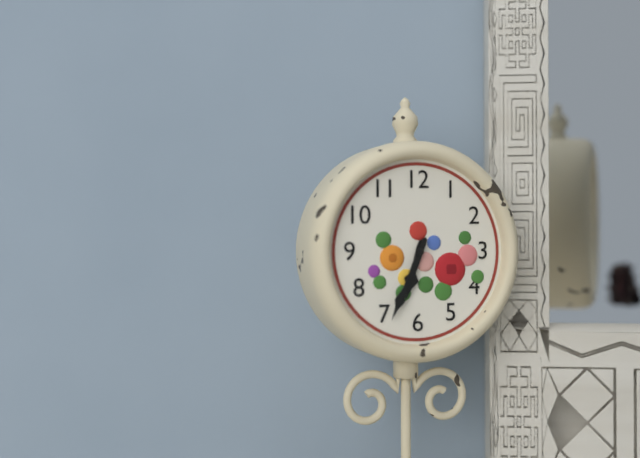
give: {"hour": 6, "minute": 34}
